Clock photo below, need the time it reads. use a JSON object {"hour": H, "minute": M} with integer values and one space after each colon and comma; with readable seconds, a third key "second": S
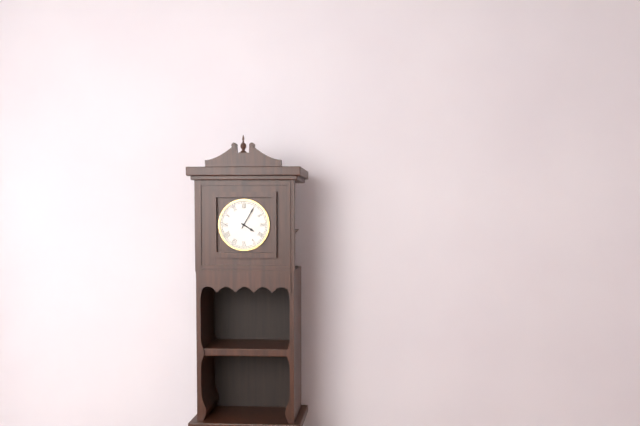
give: {"hour": 4, "minute": 5}
